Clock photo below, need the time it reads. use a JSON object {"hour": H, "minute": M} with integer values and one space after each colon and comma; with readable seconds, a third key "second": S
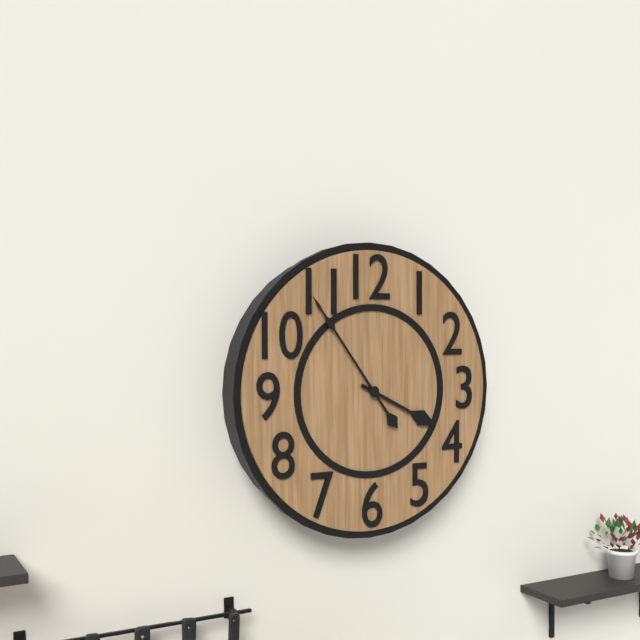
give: {"hour": 3, "minute": 54}
